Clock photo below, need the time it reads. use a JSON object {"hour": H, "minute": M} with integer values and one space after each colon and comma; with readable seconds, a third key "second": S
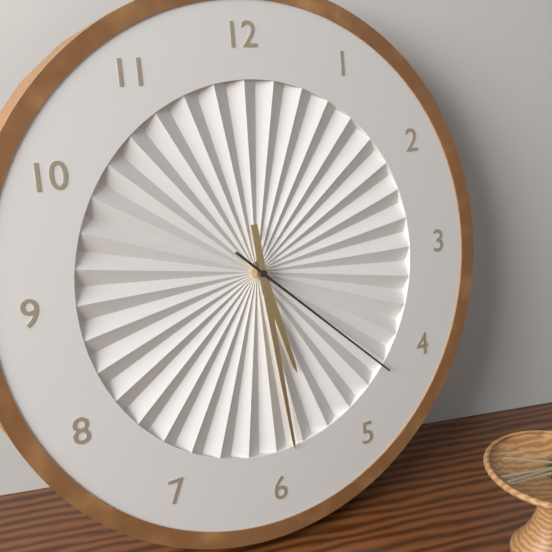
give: {"hour": 5, "minute": 29, "second": 22}
